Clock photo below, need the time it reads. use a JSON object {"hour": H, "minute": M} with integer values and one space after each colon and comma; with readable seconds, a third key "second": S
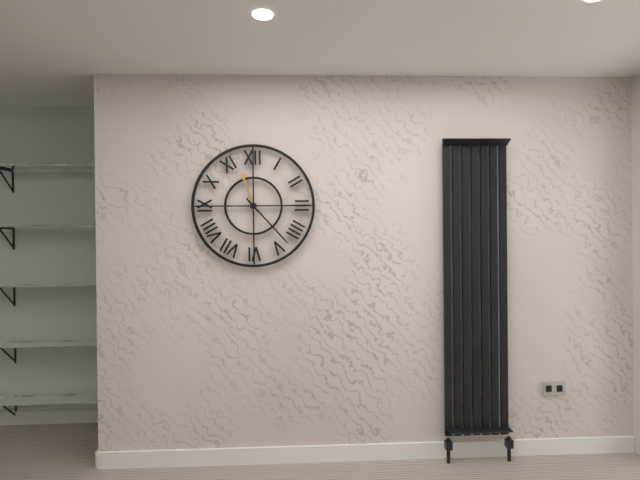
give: {"hour": 11, "minute": 23}
